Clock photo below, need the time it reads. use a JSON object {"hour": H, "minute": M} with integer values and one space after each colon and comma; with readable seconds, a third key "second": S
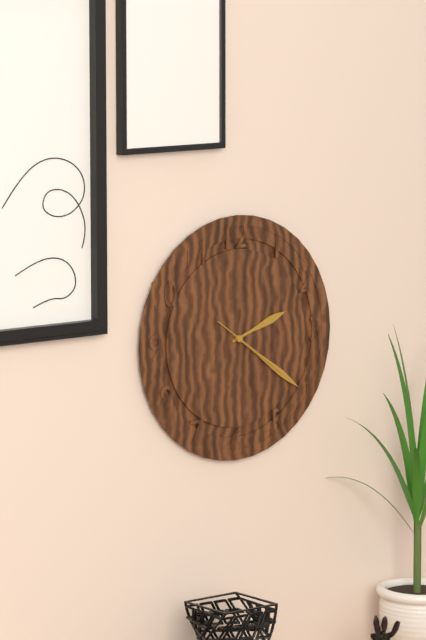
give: {"hour": 2, "minute": 21, "second": 21}
